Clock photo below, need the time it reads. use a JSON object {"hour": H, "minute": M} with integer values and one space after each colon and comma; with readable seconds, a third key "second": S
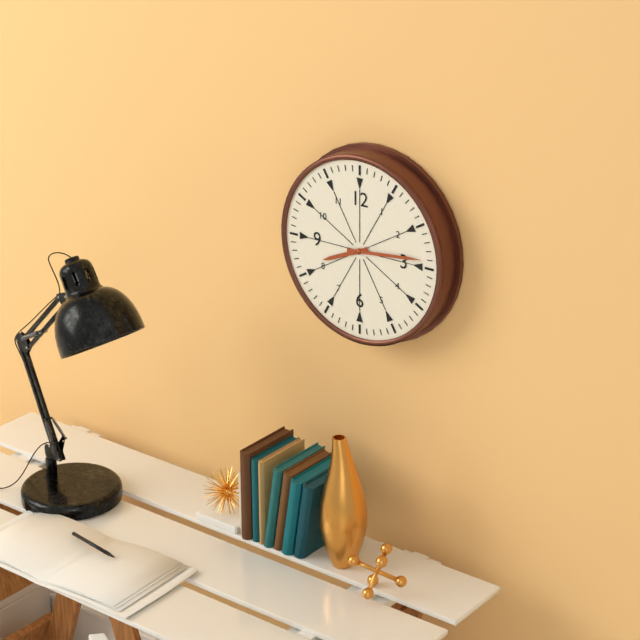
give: {"hour": 8, "minute": 14}
